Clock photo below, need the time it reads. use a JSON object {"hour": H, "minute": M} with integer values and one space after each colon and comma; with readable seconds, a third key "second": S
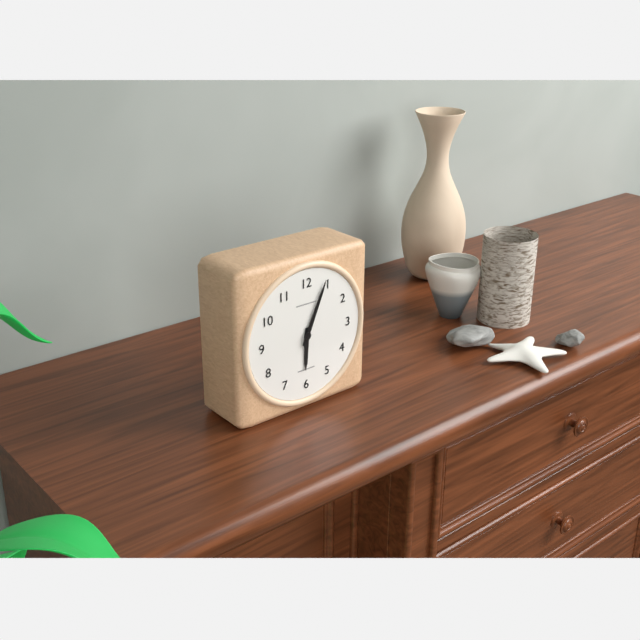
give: {"hour": 6, "minute": 4}
